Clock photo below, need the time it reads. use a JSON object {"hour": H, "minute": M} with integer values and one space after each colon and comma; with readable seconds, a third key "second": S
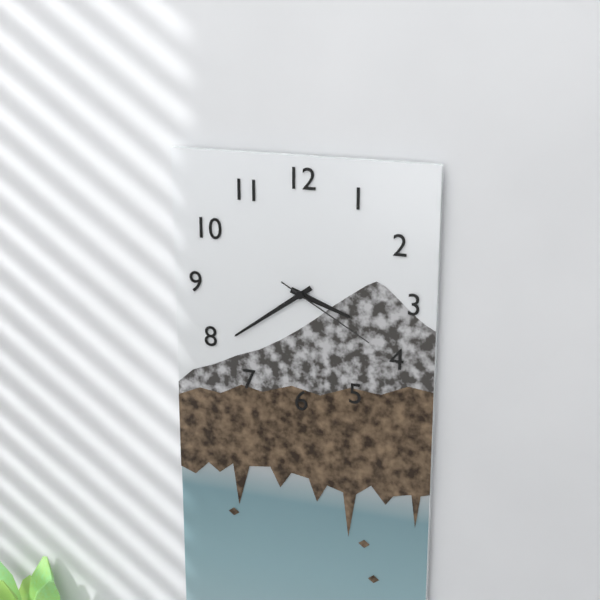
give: {"hour": 3, "minute": 39, "second": 20}
